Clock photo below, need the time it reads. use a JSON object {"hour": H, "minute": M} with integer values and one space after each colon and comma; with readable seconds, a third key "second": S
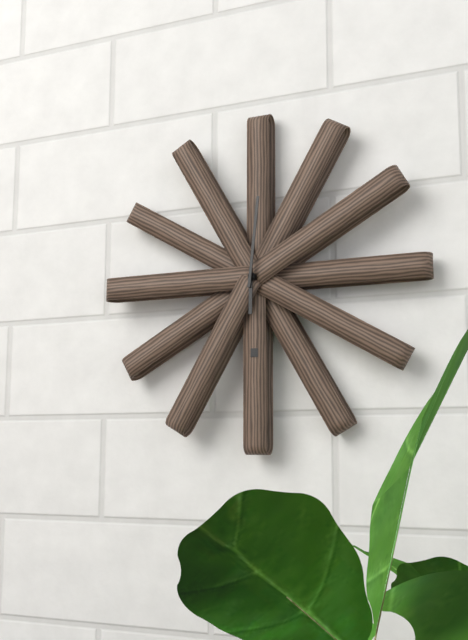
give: {"hour": 6, "minute": 1}
